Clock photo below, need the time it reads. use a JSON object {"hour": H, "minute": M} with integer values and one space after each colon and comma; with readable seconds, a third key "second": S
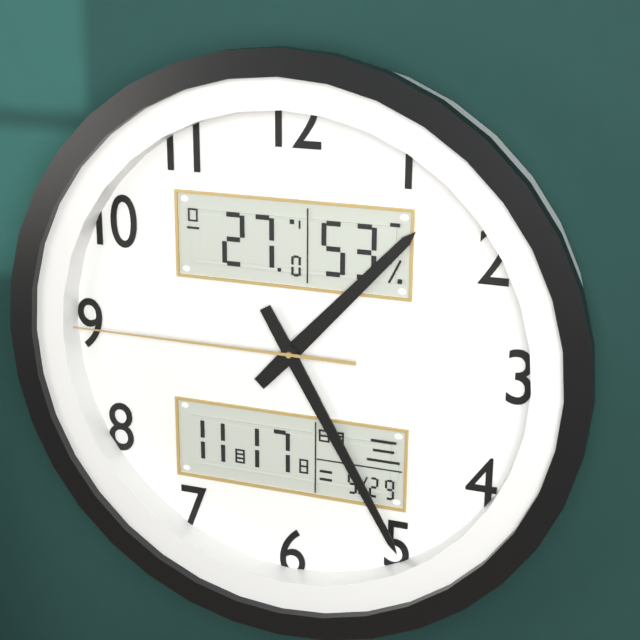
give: {"hour": 1, "minute": 25, "second": 45}
